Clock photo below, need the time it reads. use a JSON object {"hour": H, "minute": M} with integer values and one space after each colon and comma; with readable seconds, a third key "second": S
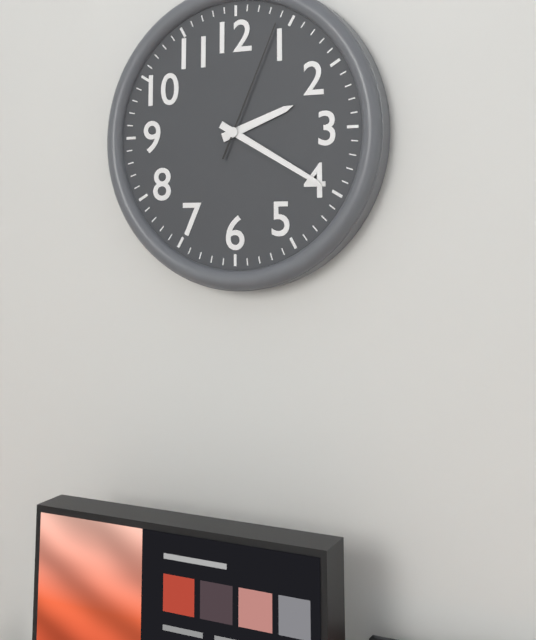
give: {"hour": 2, "minute": 20, "second": 4}
